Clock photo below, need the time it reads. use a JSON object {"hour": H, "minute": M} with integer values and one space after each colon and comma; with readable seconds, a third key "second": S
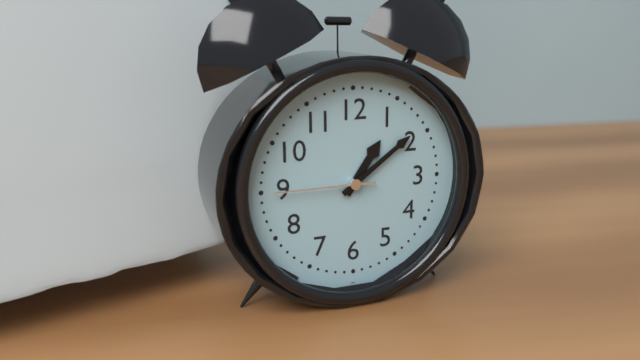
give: {"hour": 1, "minute": 9, "second": 45}
